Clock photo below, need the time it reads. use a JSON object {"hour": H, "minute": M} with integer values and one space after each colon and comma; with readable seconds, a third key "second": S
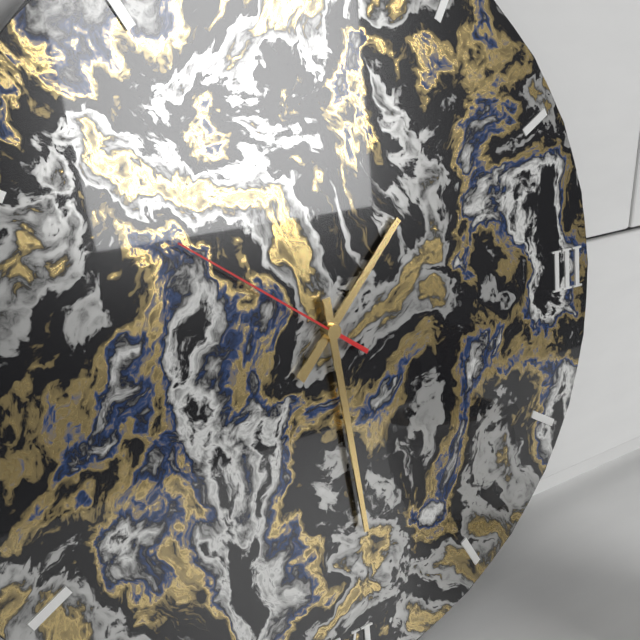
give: {"hour": 1, "minute": 29, "second": 51}
